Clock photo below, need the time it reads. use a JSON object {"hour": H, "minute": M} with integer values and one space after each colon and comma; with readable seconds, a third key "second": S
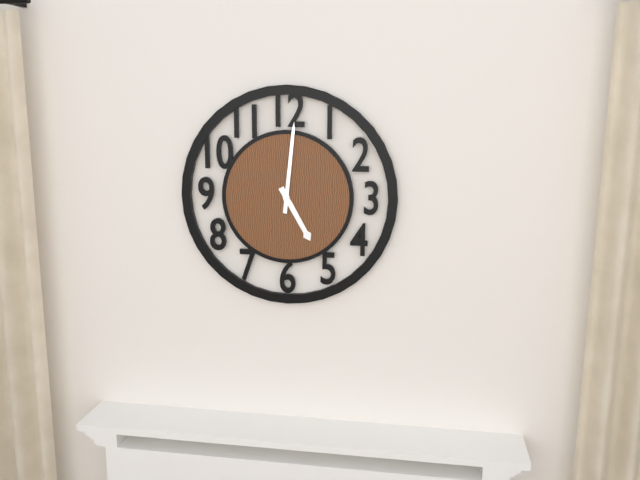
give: {"hour": 5, "minute": 1}
